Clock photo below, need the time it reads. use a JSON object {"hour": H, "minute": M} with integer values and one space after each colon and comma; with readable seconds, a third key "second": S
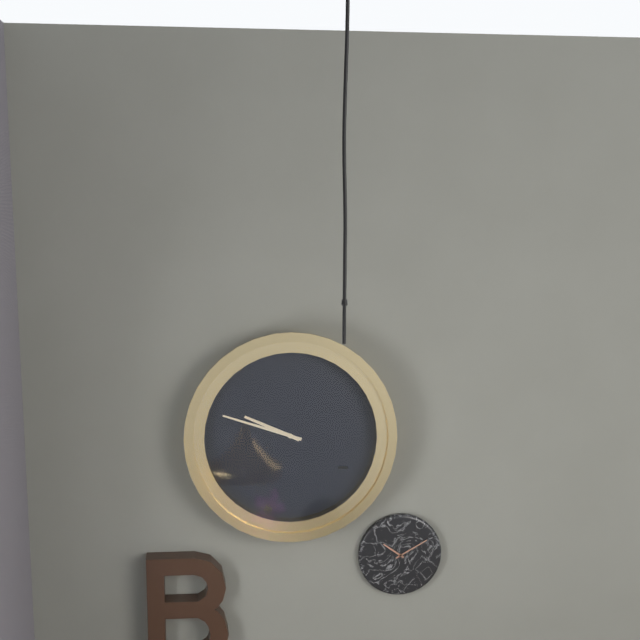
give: {"hour": 9, "minute": 48}
